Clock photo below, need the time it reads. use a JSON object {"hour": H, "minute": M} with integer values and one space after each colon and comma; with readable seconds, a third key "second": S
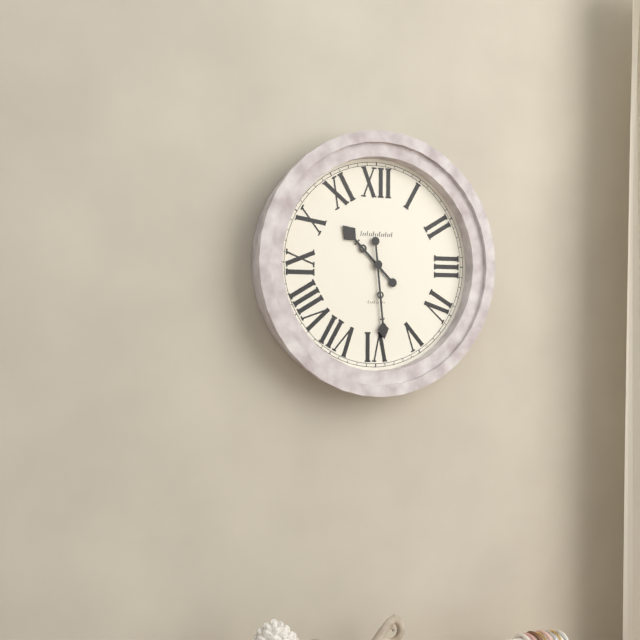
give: {"hour": 10, "minute": 29}
